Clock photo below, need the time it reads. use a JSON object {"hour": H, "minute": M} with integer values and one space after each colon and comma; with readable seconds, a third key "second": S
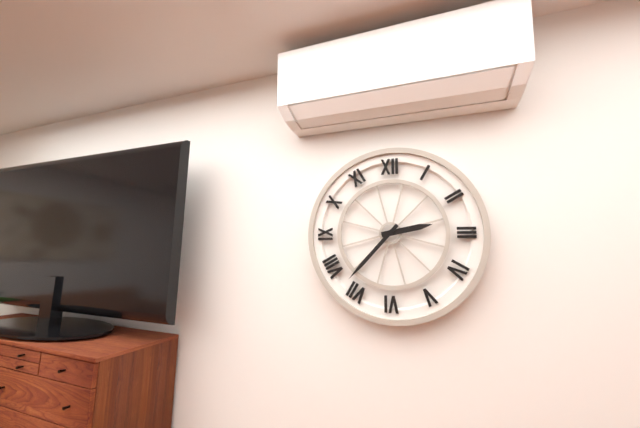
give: {"hour": 2, "minute": 37}
